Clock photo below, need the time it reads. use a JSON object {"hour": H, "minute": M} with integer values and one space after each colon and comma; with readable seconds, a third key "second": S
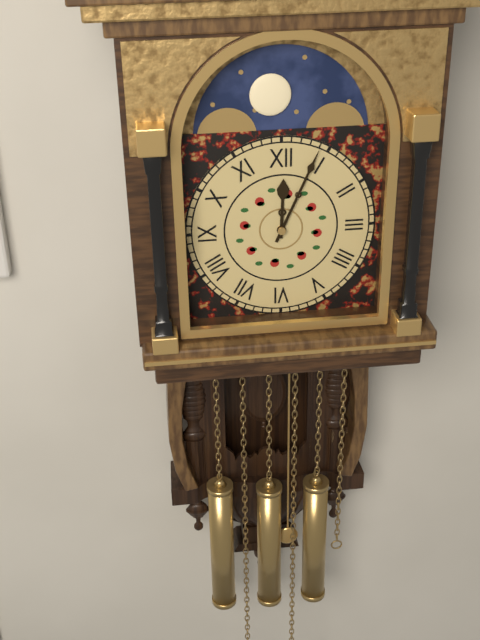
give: {"hour": 12, "minute": 4}
